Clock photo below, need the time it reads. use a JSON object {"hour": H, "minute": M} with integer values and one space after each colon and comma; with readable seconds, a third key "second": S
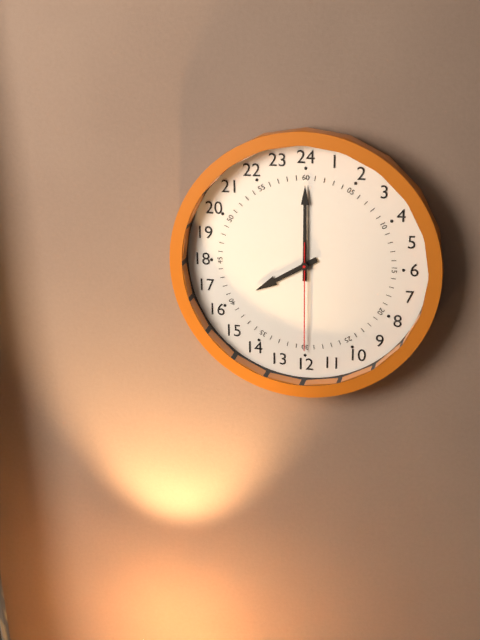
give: {"hour": 8, "minute": 0, "second": 30}
